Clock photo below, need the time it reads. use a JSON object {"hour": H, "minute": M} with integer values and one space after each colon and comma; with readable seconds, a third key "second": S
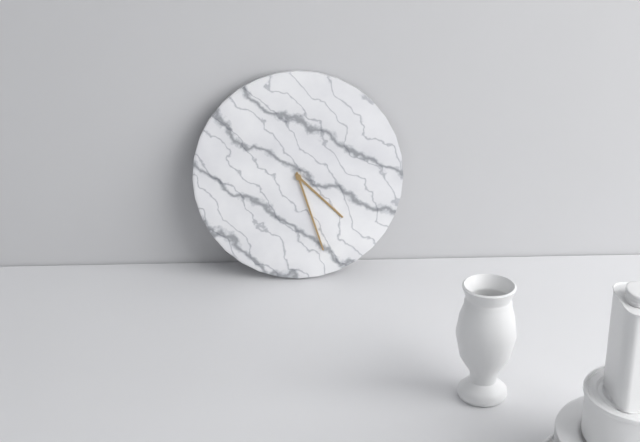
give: {"hour": 4, "minute": 27}
